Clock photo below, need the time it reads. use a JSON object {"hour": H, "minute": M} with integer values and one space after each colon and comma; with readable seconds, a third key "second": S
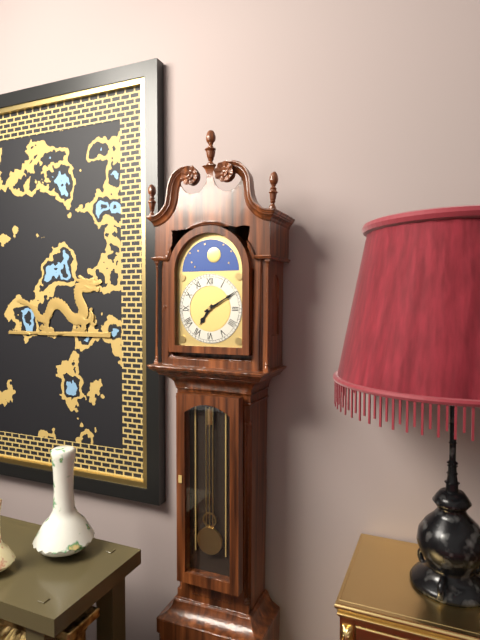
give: {"hour": 7, "minute": 10}
